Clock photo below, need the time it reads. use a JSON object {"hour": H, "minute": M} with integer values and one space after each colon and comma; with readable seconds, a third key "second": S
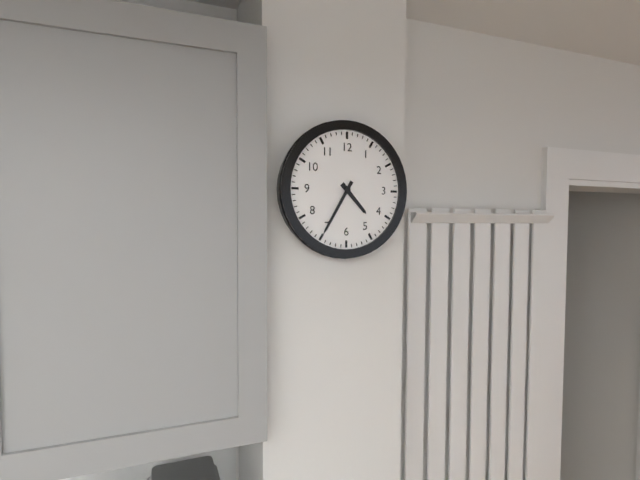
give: {"hour": 4, "minute": 35}
